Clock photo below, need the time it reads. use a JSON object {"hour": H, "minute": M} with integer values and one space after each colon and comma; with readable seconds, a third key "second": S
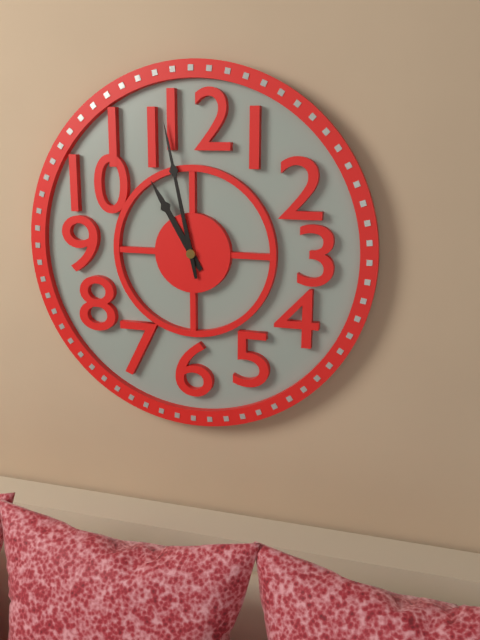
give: {"hour": 10, "minute": 58}
